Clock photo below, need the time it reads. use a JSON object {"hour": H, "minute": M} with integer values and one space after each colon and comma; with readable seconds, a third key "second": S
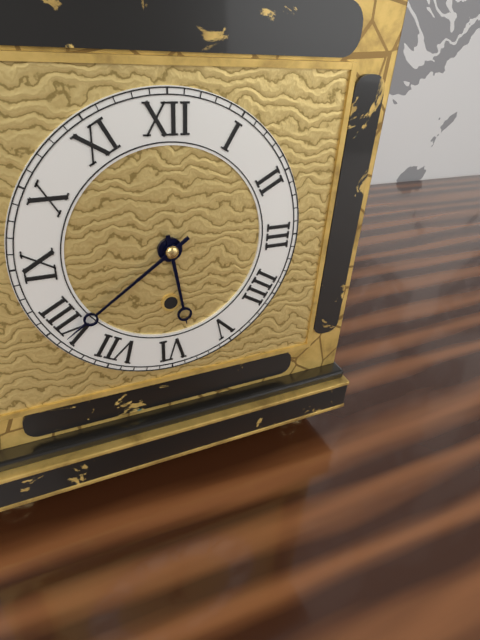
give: {"hour": 5, "minute": 39}
